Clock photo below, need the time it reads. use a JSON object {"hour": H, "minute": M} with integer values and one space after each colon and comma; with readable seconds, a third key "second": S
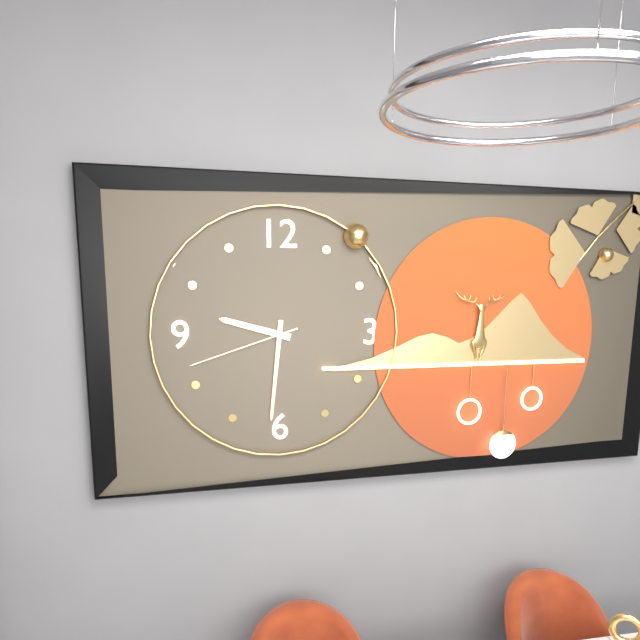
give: {"hour": 9, "minute": 31, "second": 42}
